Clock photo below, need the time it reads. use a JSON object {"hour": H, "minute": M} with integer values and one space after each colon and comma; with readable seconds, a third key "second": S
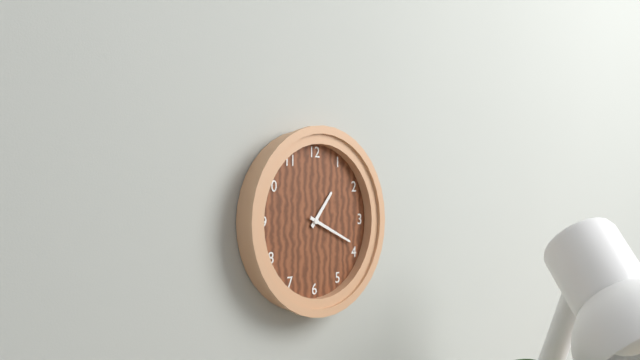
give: {"hour": 1, "minute": 19}
